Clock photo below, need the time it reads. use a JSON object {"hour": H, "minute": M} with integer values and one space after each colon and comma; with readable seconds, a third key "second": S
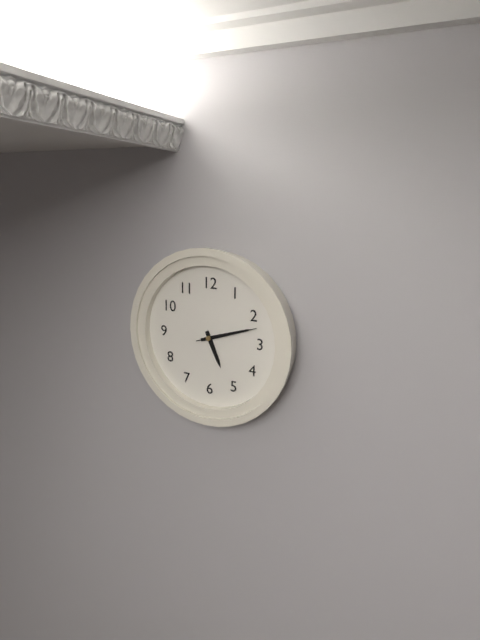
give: {"hour": 5, "minute": 12, "second": 12}
